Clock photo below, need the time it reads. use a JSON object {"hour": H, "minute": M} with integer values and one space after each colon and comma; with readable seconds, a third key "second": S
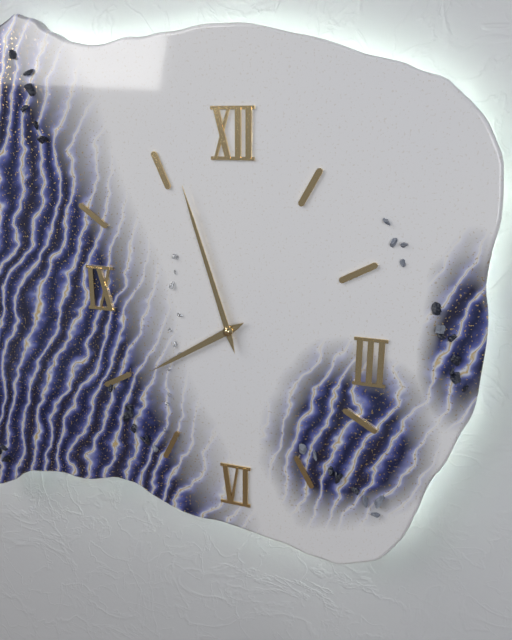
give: {"hour": 7, "minute": 57}
